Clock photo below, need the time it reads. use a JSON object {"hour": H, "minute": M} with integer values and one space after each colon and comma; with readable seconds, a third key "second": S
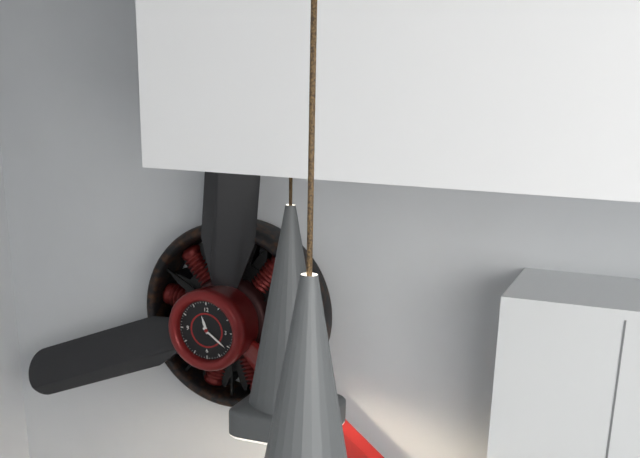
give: {"hour": 11, "minute": 21}
